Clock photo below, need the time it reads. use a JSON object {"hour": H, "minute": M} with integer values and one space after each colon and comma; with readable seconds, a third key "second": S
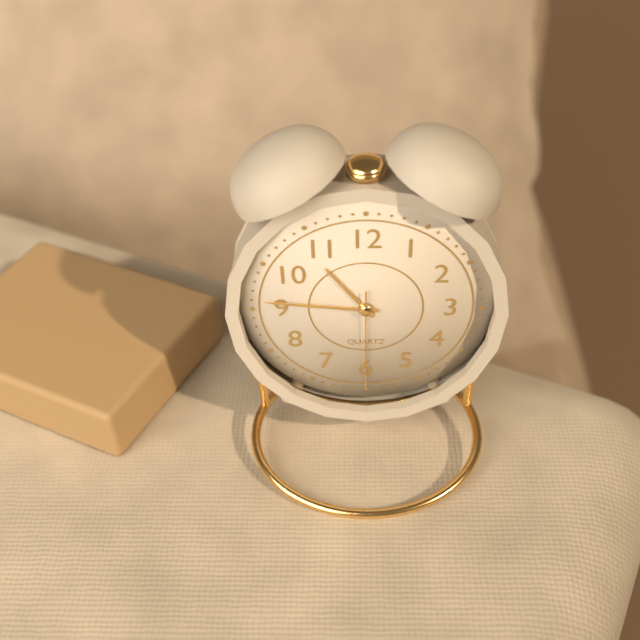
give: {"hour": 10, "minute": 46, "second": 30}
